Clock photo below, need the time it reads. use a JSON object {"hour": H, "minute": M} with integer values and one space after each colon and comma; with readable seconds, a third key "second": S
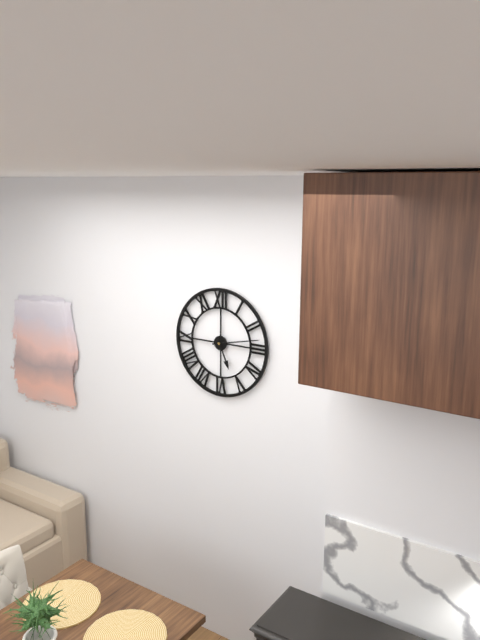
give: {"hour": 5, "minute": 13}
